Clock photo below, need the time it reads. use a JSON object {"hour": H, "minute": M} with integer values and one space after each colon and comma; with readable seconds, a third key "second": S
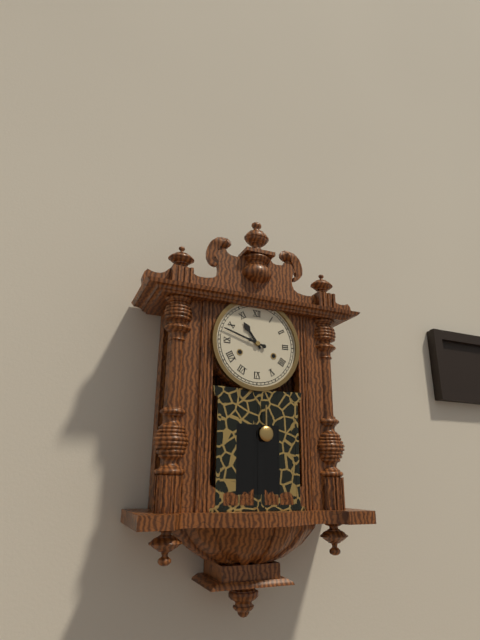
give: {"hour": 10, "minute": 48}
